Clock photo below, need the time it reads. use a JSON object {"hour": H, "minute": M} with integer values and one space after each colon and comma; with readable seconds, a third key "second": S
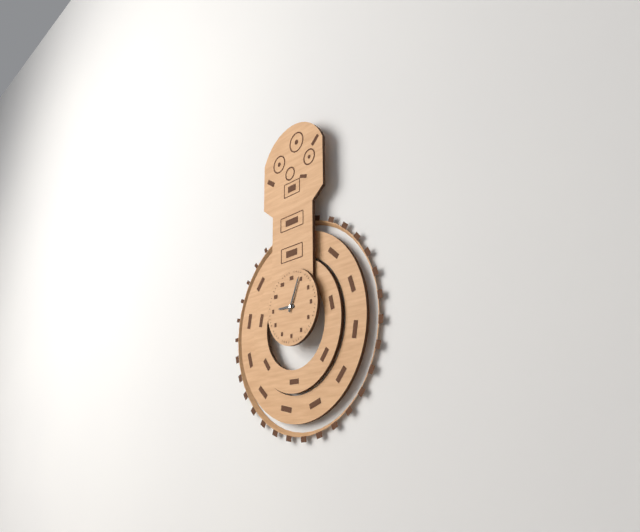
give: {"hour": 9, "minute": 4}
